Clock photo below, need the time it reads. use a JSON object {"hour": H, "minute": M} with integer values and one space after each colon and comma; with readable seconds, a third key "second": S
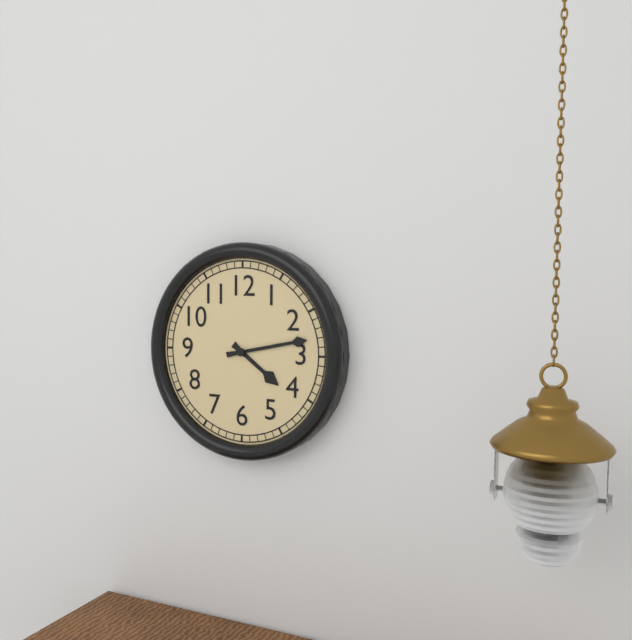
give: {"hour": 4, "minute": 13}
